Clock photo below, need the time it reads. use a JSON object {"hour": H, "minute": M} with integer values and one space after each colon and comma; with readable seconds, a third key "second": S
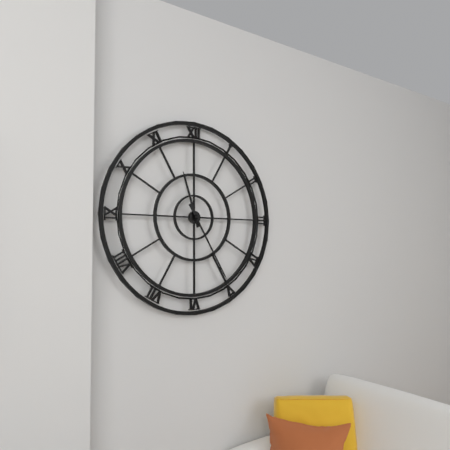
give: {"hour": 11, "minute": 25}
